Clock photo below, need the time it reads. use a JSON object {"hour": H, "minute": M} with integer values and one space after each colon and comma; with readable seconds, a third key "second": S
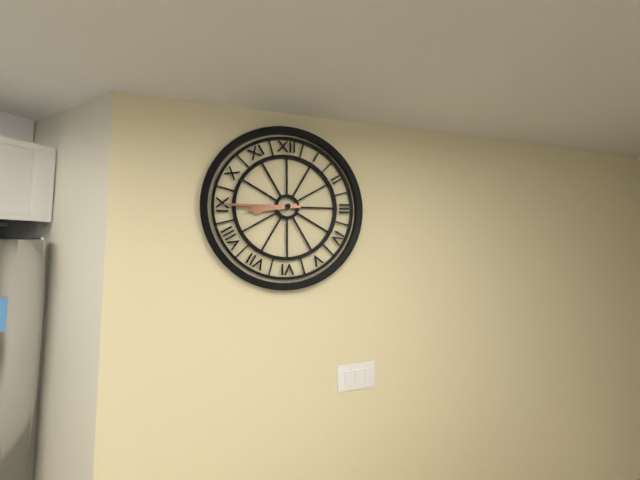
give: {"hour": 8, "minute": 45}
